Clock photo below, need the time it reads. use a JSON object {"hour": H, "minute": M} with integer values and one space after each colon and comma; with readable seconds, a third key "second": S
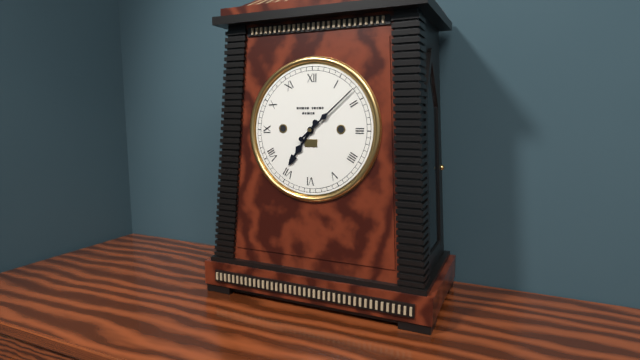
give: {"hour": 7, "minute": 8}
